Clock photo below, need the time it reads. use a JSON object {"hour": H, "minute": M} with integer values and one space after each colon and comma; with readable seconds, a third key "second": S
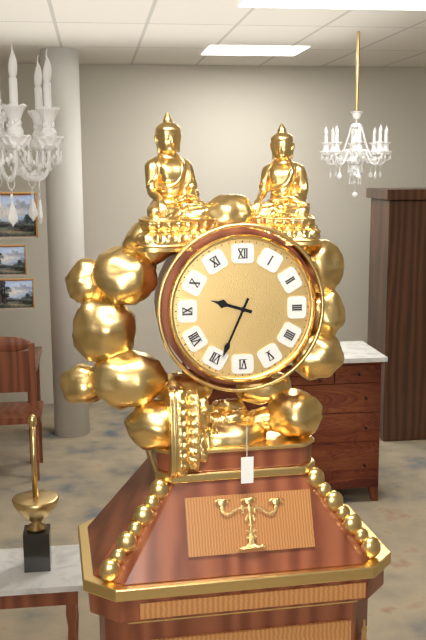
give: {"hour": 9, "minute": 34}
